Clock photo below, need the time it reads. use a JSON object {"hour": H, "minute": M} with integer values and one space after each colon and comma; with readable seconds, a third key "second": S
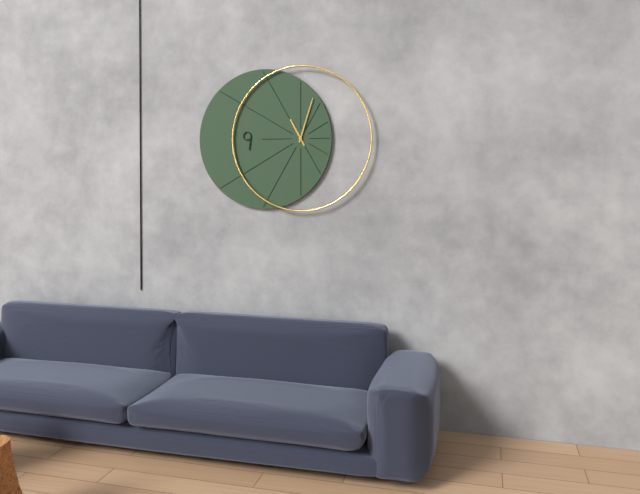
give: {"hour": 11, "minute": 3}
